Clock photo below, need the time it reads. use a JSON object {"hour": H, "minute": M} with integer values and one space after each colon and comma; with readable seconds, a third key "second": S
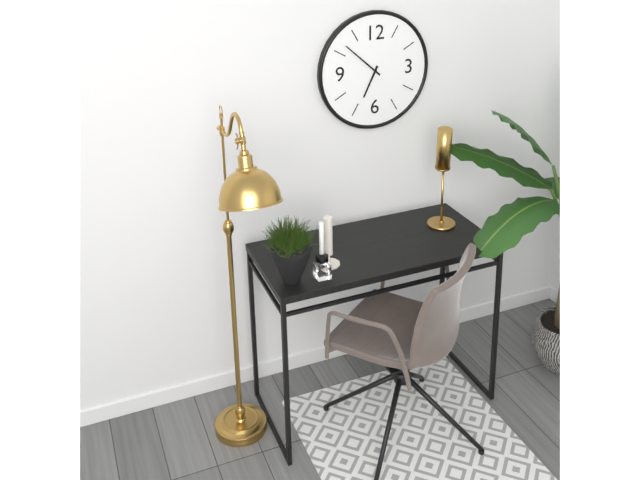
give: {"hour": 6, "minute": 52}
